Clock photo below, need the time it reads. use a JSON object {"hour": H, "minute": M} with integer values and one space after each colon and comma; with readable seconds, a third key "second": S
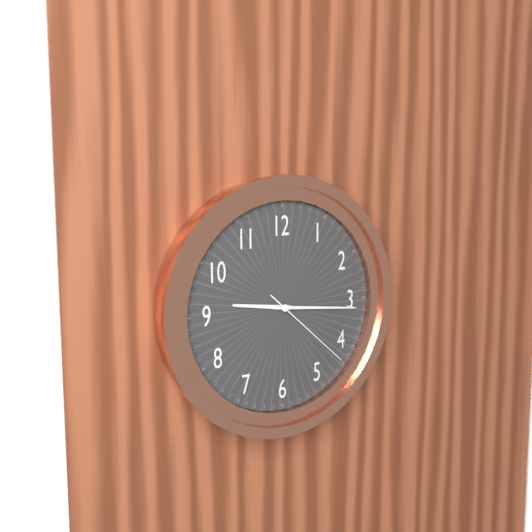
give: {"hour": 9, "minute": 16, "second": 22}
